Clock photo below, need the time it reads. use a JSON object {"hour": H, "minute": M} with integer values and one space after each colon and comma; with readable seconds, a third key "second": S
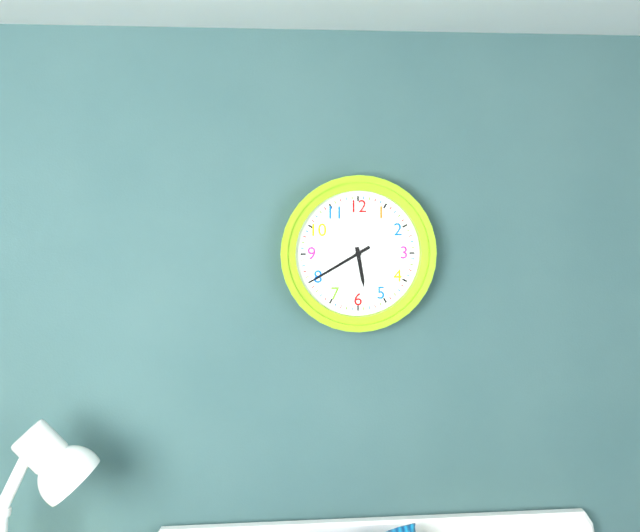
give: {"hour": 5, "minute": 40}
